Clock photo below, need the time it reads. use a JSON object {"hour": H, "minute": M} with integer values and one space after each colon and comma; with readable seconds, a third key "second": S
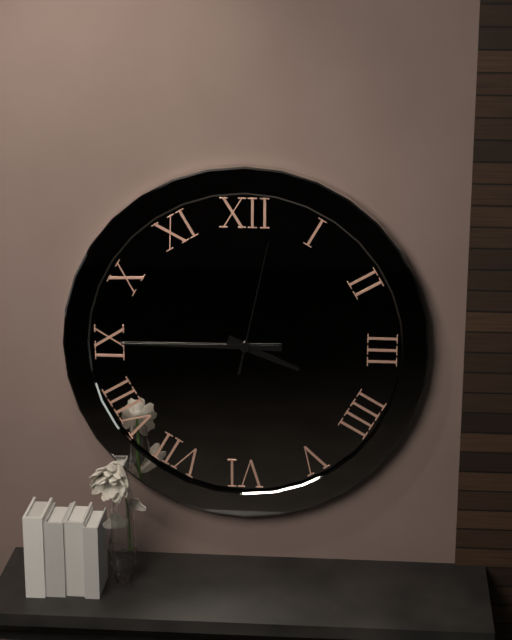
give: {"hour": 3, "minute": 45, "second": 2}
